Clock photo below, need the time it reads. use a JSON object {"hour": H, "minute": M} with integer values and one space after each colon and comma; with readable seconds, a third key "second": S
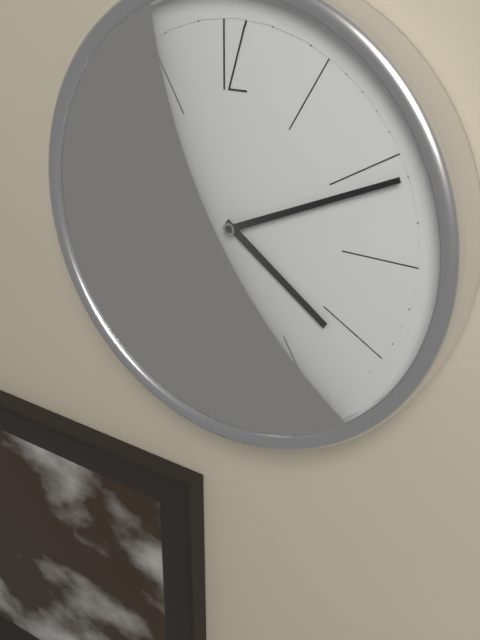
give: {"hour": 4, "minute": 11}
